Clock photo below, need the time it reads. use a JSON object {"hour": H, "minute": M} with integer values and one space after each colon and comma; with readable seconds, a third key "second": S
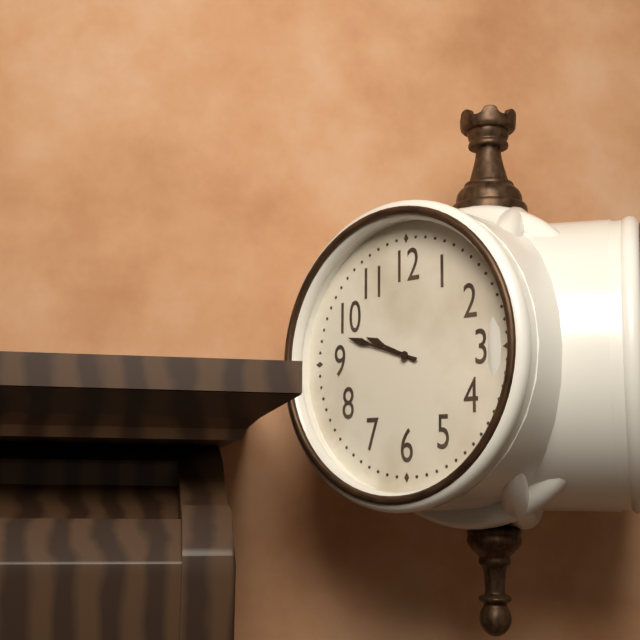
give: {"hour": 9, "minute": 48}
